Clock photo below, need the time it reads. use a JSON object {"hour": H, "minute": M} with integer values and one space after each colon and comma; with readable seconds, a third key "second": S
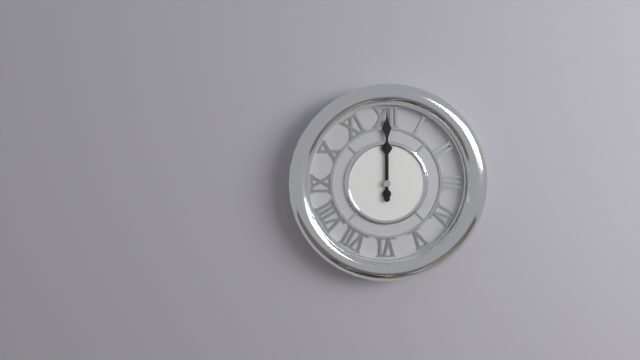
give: {"hour": 12, "minute": 0}
